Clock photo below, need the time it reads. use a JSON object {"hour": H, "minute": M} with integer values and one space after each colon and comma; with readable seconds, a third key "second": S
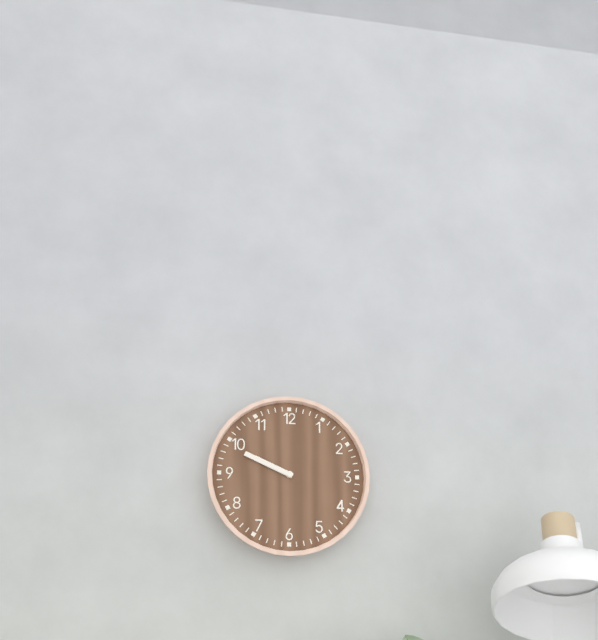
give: {"hour": 9, "minute": 49}
